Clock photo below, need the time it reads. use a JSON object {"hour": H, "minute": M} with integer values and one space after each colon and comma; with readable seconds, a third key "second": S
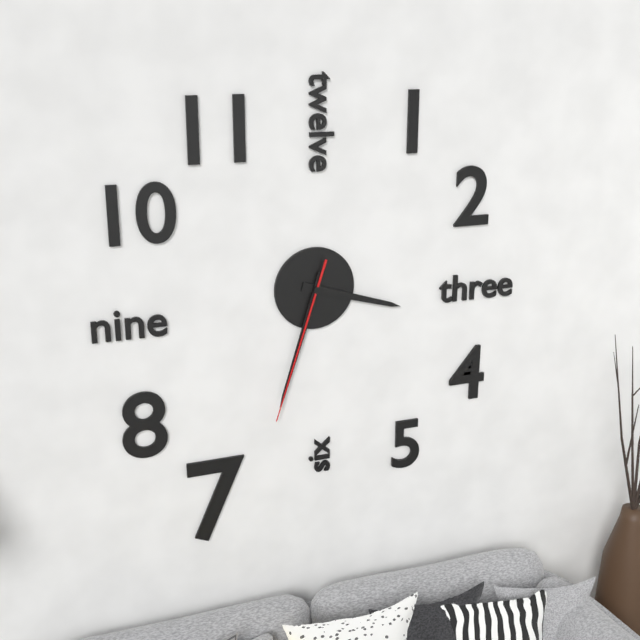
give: {"hour": 3, "minute": 33, "second": 33}
